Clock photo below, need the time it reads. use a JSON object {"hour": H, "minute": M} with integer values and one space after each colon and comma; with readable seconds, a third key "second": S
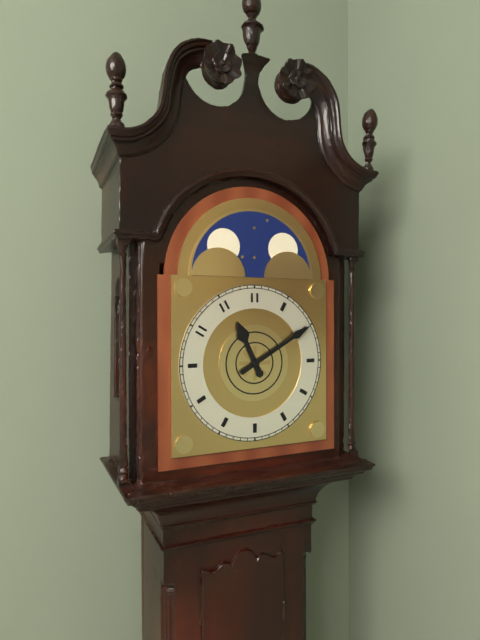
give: {"hour": 11, "minute": 10}
